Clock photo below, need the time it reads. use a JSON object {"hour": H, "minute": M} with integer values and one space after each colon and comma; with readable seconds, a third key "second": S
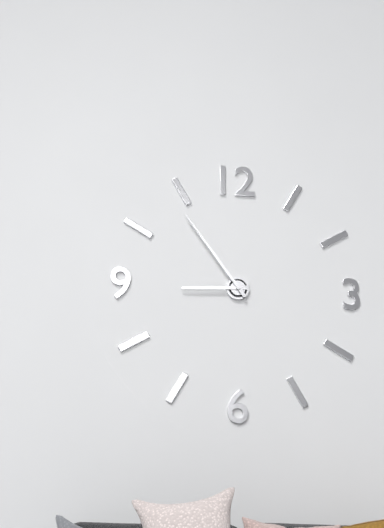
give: {"hour": 8, "minute": 54}
